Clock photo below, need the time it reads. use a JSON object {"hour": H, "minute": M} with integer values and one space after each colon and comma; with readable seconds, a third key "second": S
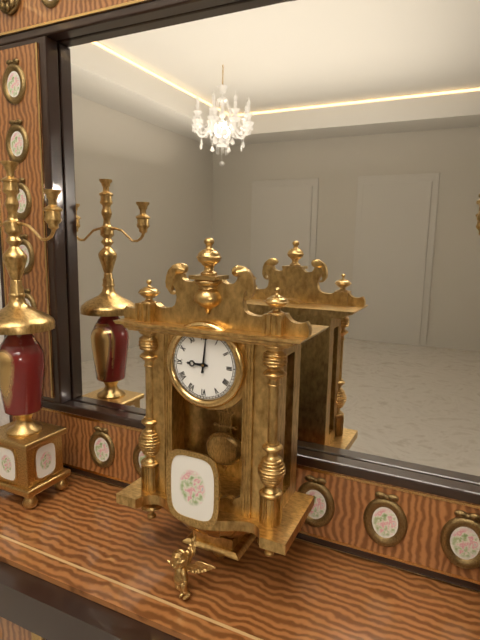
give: {"hour": 9, "minute": 1}
